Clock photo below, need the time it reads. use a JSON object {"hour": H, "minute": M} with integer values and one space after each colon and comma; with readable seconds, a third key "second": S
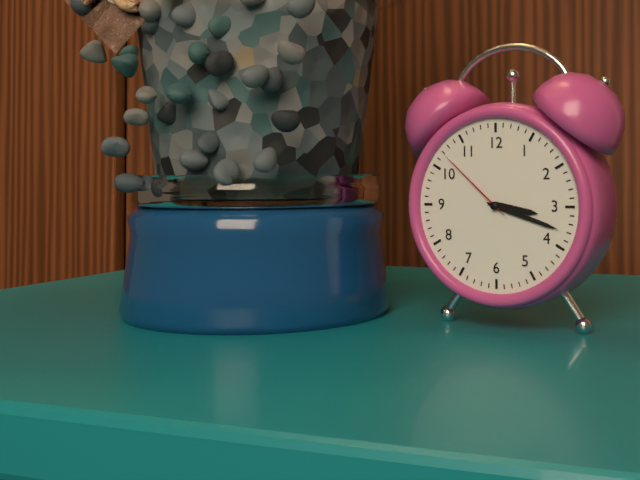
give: {"hour": 3, "minute": 18, "second": 52}
